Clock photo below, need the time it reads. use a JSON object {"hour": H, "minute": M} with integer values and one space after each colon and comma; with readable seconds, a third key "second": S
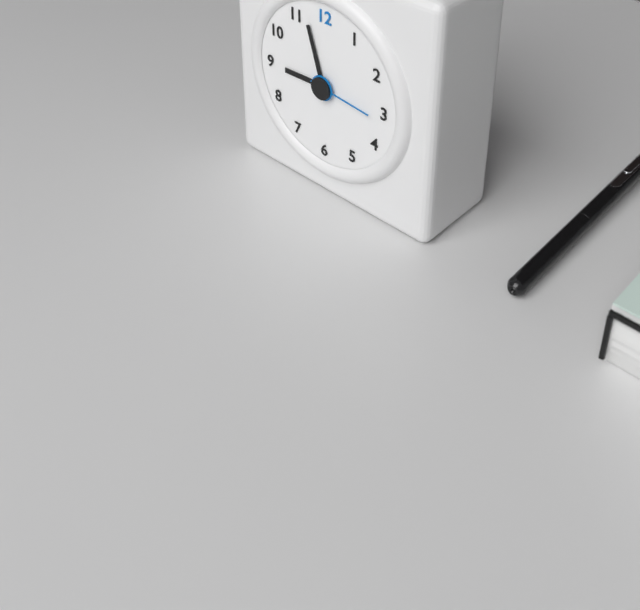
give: {"hour": 8, "minute": 57, "second": 16}
